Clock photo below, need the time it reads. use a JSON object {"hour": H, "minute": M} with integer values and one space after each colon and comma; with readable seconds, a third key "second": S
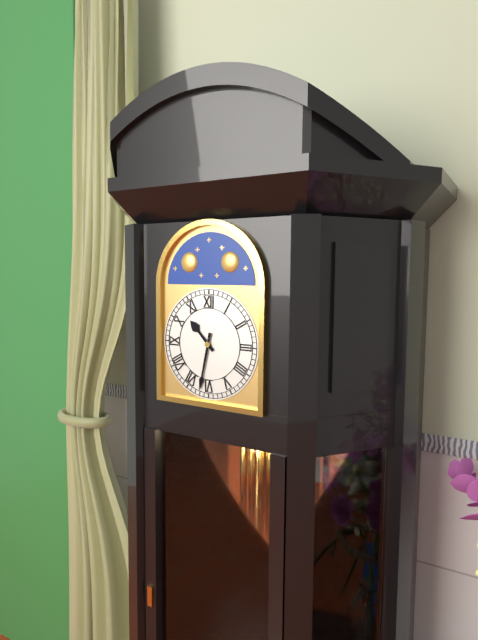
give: {"hour": 10, "minute": 32}
